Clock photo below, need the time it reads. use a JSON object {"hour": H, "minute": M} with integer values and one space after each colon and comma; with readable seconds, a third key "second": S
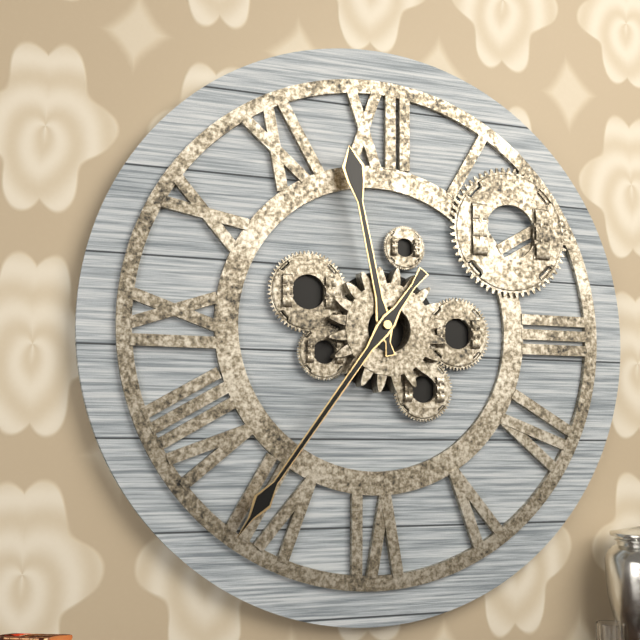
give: {"hour": 11, "minute": 36}
